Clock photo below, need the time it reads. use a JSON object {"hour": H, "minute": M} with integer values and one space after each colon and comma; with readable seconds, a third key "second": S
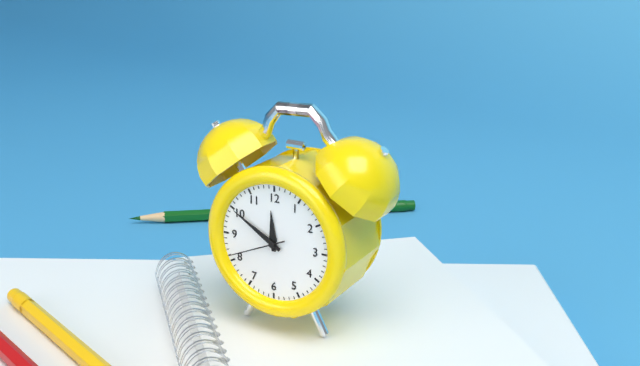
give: {"hour": 11, "minute": 50, "second": 41}
